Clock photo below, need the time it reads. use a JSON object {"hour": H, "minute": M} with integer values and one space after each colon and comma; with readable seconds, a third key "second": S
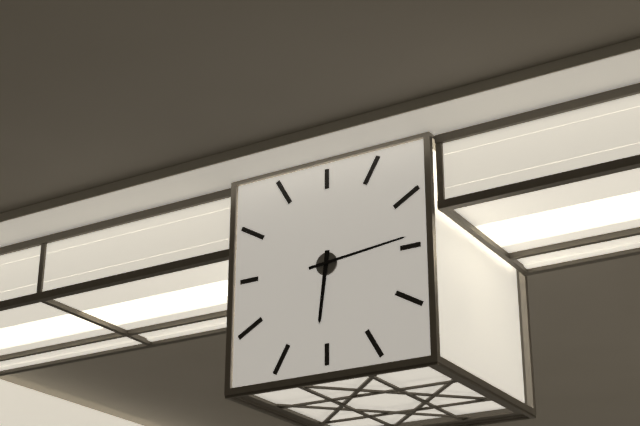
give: {"hour": 6, "minute": 14}
